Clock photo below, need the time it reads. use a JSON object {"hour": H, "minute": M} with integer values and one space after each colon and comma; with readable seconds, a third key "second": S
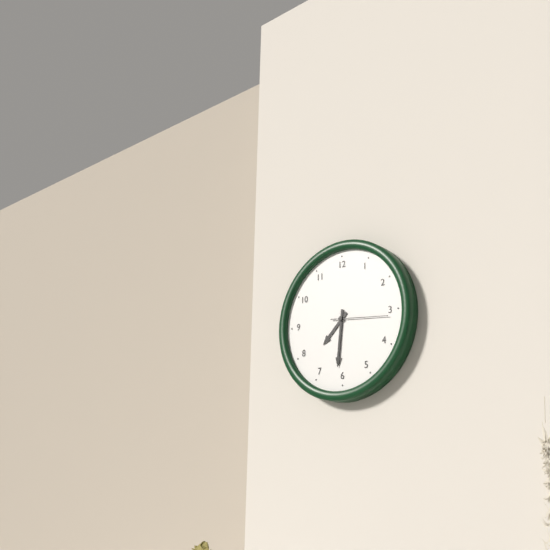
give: {"hour": 7, "minute": 31, "second": 16}
